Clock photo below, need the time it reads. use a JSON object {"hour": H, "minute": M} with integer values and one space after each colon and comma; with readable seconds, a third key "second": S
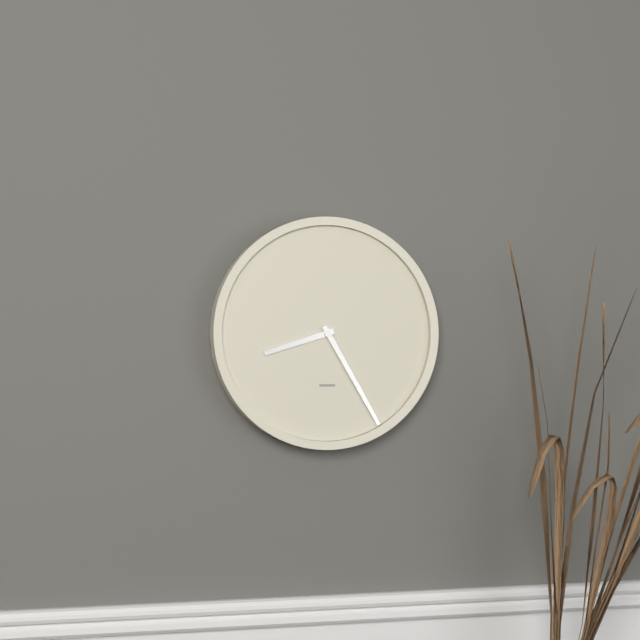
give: {"hour": 8, "minute": 25}
